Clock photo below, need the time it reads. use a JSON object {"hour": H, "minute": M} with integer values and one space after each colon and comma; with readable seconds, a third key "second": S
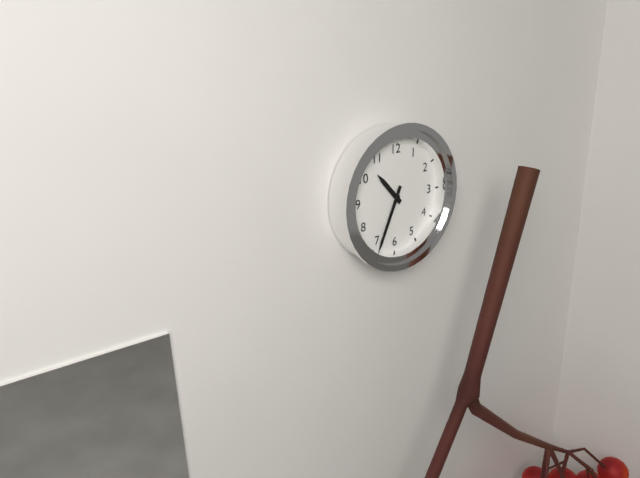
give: {"hour": 10, "minute": 34}
